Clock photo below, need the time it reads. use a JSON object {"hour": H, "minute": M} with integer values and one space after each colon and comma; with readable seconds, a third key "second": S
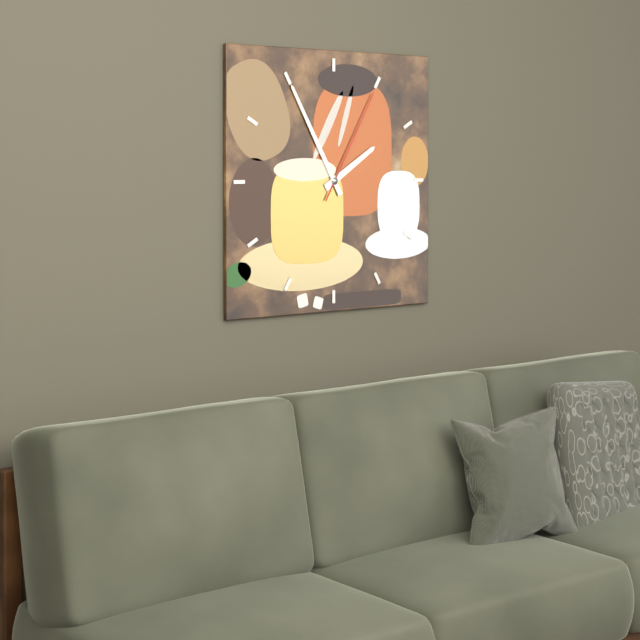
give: {"hour": 1, "minute": 55, "second": 5}
